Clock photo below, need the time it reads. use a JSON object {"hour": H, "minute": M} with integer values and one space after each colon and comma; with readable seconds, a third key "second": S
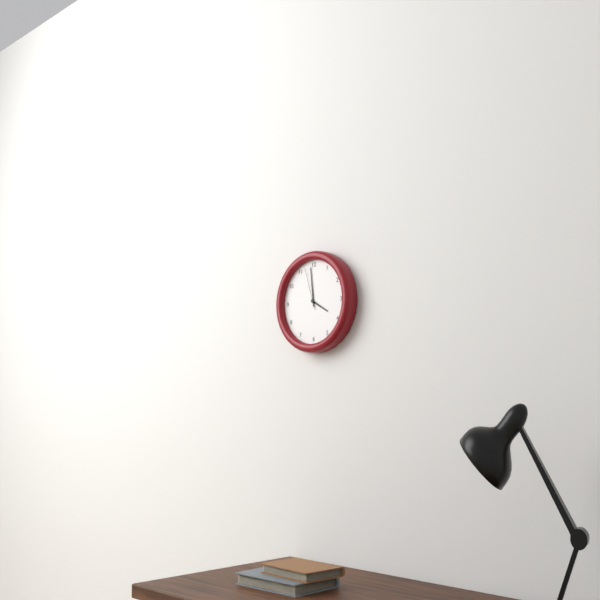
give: {"hour": 3, "minute": 59}
